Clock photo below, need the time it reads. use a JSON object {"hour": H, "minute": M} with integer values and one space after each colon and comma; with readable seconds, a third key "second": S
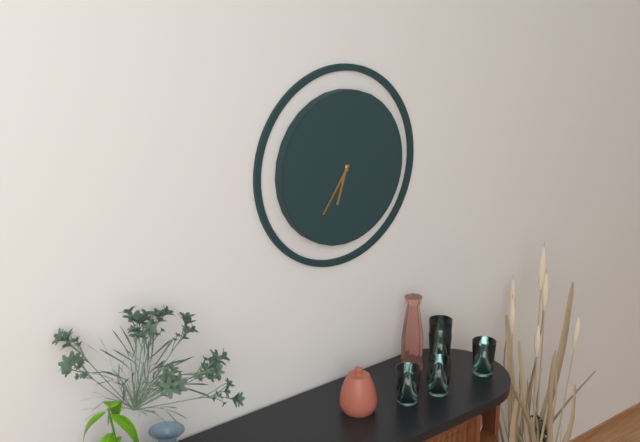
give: {"hour": 6, "minute": 36}
